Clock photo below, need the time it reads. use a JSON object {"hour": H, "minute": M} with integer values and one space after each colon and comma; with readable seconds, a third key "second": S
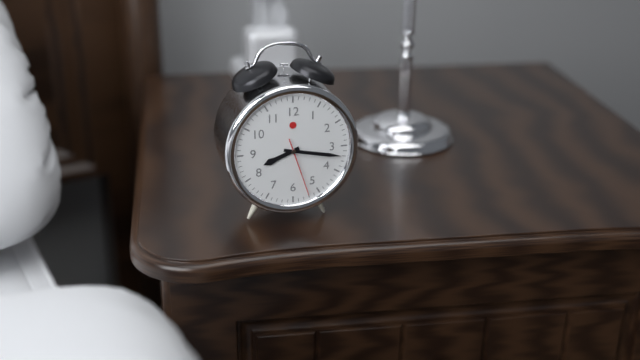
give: {"hour": 8, "minute": 17, "second": 27}
